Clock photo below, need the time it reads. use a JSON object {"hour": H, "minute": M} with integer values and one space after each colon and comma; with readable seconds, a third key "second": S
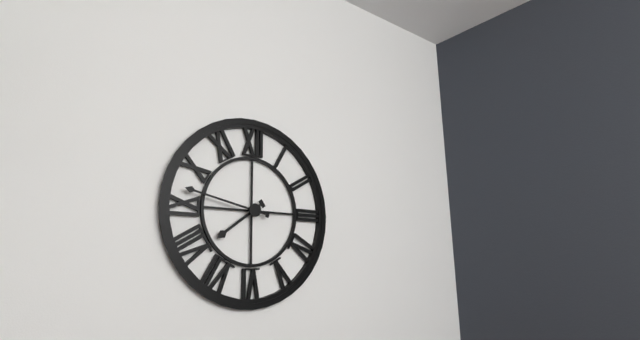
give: {"hour": 7, "minute": 47}
